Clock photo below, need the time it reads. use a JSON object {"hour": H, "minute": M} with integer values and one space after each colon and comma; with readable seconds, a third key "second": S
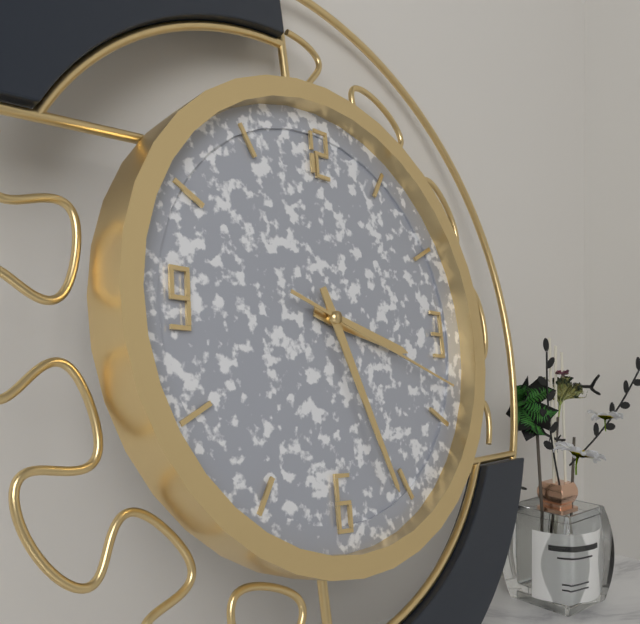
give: {"hour": 3, "minute": 26, "second": 18}
